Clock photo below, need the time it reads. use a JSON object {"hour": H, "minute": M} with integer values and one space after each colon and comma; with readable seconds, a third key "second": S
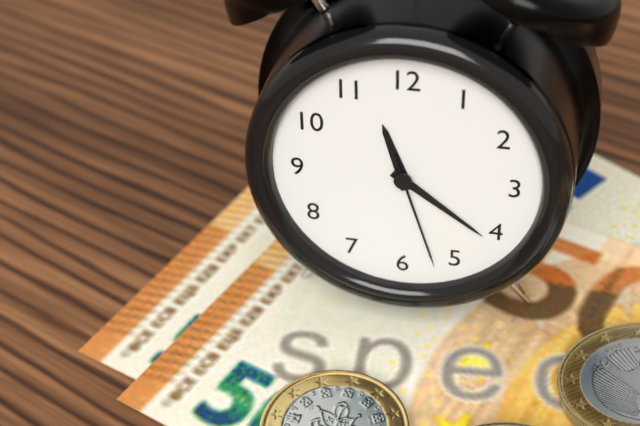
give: {"hour": 11, "minute": 21, "second": 27}
